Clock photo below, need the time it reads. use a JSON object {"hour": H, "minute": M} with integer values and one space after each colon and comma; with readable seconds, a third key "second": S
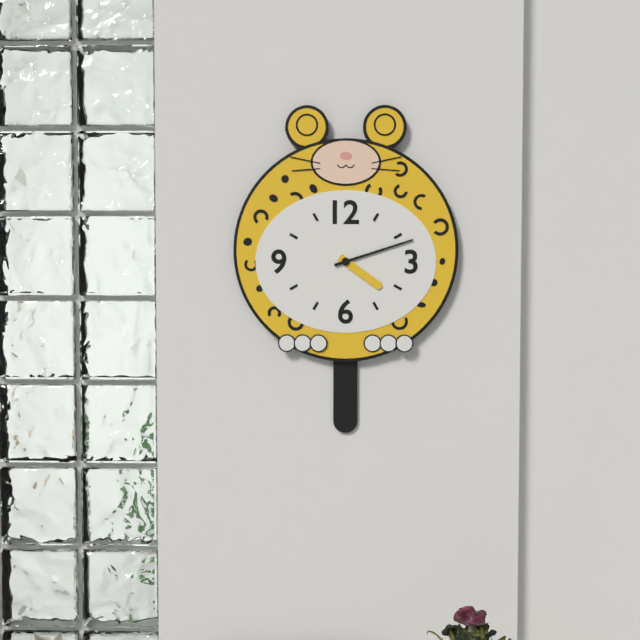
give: {"hour": 4, "minute": 12}
